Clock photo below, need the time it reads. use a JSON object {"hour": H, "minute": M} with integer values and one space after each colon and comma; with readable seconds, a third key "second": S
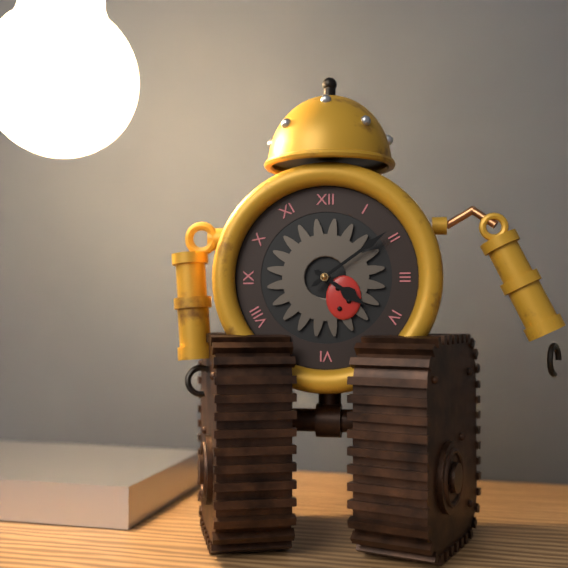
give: {"hour": 4, "minute": 9}
